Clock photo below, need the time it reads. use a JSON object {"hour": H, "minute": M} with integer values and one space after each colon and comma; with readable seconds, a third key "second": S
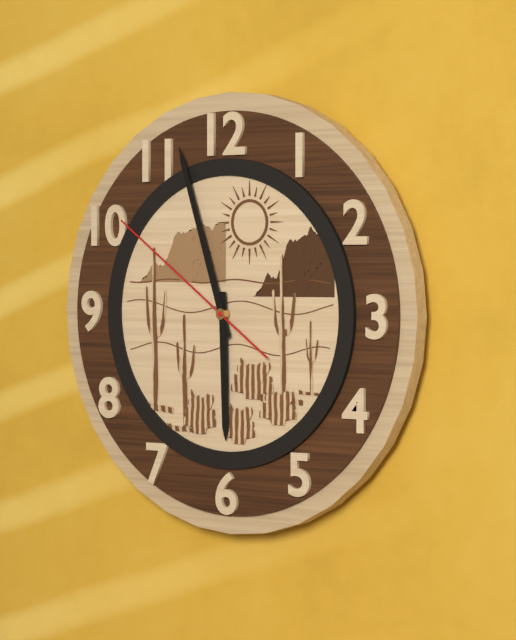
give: {"hour": 5, "minute": 57, "second": 51}
